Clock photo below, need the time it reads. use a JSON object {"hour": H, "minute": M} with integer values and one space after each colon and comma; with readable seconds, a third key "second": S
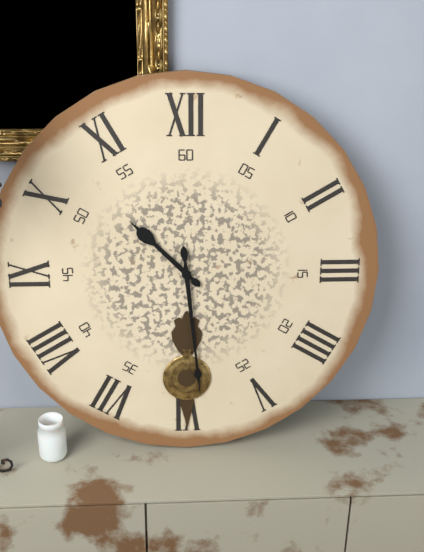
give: {"hour": 10, "minute": 29}
